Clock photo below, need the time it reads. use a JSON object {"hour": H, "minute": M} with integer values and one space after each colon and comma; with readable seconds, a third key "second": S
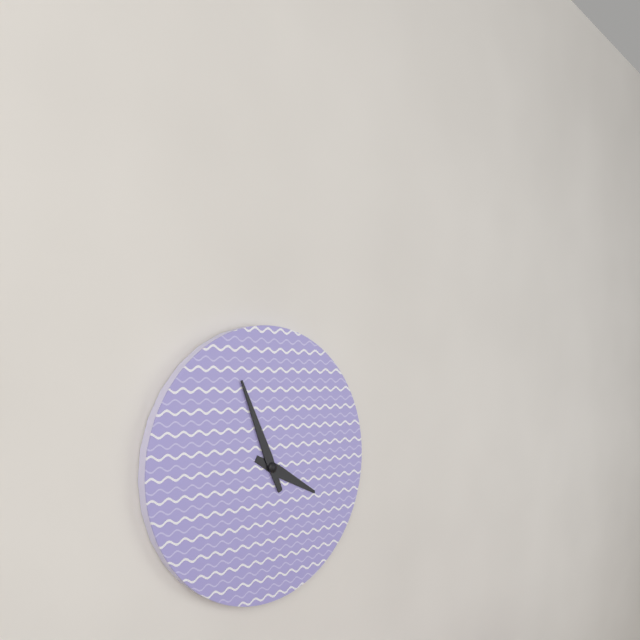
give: {"hour": 3, "minute": 56}
